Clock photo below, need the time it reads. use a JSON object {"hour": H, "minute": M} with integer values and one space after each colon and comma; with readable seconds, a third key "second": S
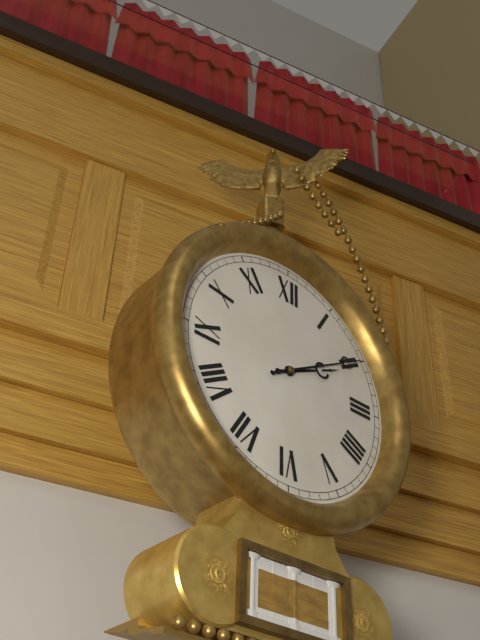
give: {"hour": 2, "minute": 10}
